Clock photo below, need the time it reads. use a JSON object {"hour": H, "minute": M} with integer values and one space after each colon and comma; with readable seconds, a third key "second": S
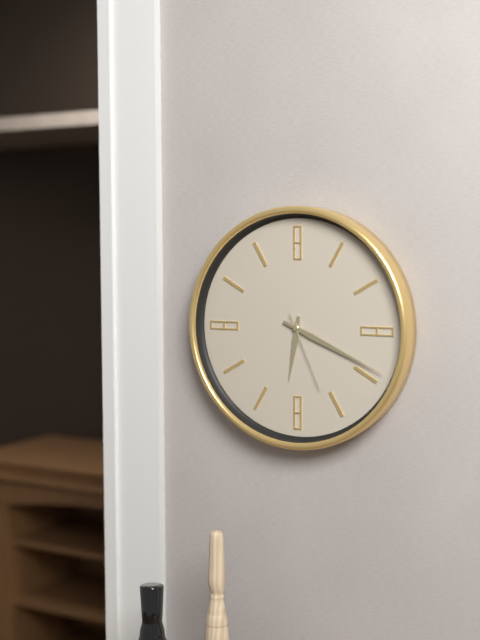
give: {"hour": 6, "minute": 19, "second": 26}
